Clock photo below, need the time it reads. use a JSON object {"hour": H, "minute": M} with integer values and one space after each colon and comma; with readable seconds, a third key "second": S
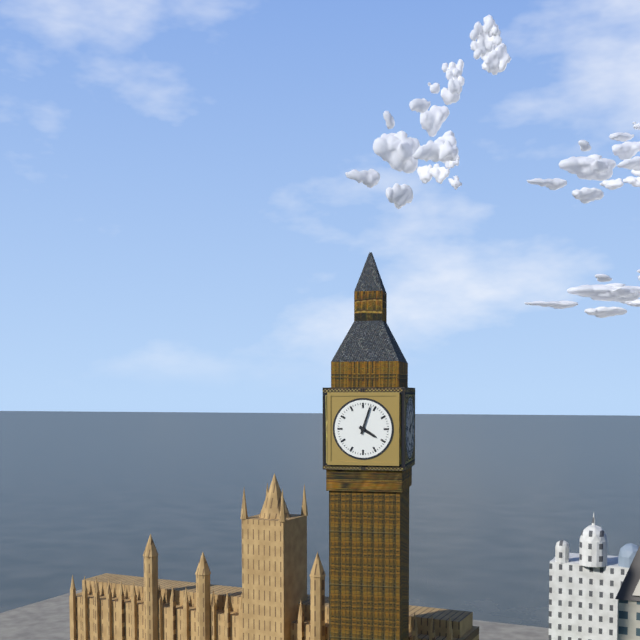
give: {"hour": 4, "minute": 3}
